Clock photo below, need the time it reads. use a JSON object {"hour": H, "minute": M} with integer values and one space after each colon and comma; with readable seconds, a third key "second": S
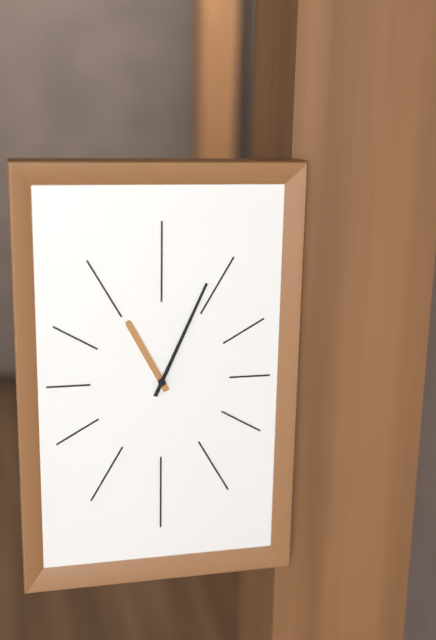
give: {"hour": 11, "minute": 4}
